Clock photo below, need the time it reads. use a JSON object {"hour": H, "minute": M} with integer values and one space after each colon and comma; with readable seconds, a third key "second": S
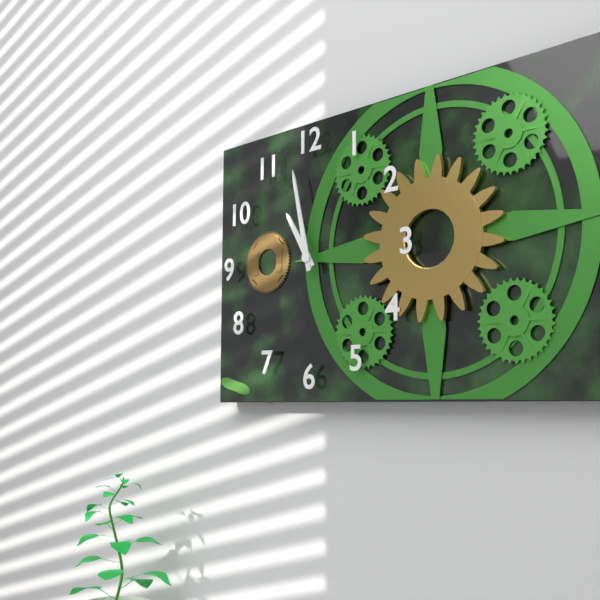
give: {"hour": 10, "minute": 58}
